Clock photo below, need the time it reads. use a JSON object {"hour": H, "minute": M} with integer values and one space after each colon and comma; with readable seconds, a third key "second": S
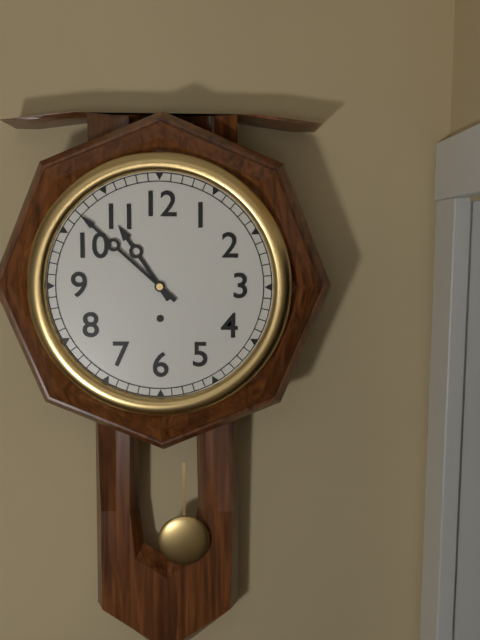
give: {"hour": 10, "minute": 52}
